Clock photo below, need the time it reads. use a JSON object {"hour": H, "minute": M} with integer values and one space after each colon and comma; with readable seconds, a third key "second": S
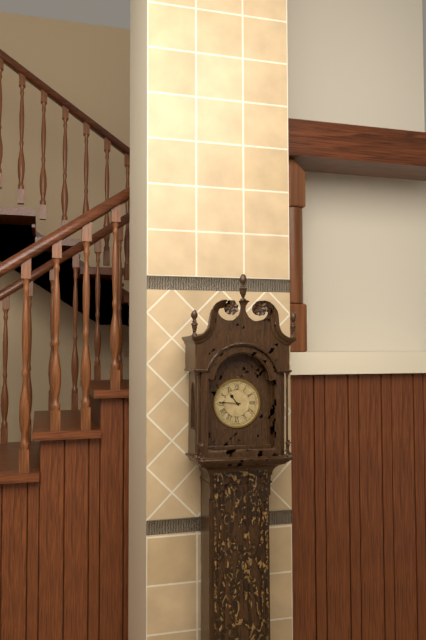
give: {"hour": 10, "minute": 46}
